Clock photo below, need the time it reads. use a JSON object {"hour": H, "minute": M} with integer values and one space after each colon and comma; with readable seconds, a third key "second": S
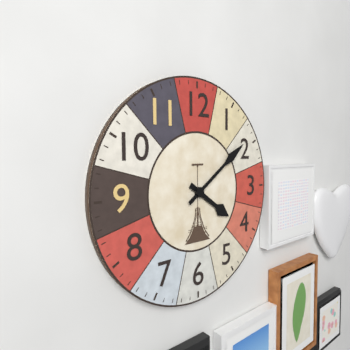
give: {"hour": 4, "minute": 9}
